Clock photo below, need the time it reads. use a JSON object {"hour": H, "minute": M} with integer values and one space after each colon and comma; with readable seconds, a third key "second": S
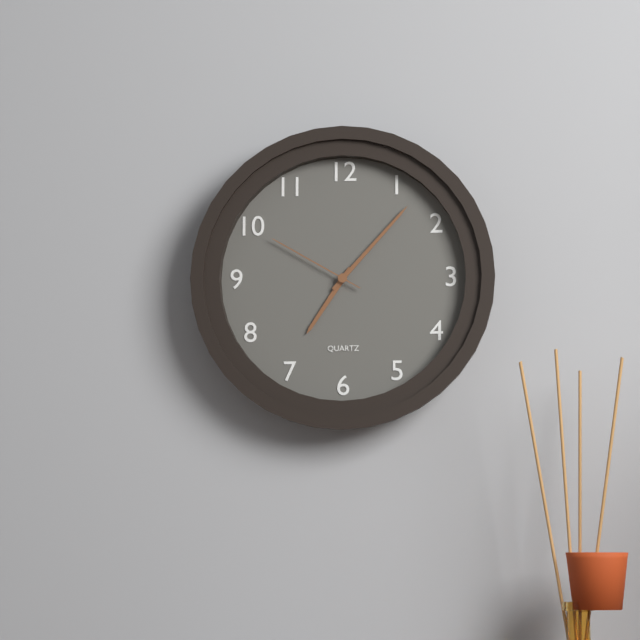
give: {"hour": 7, "minute": 7, "second": 50}
